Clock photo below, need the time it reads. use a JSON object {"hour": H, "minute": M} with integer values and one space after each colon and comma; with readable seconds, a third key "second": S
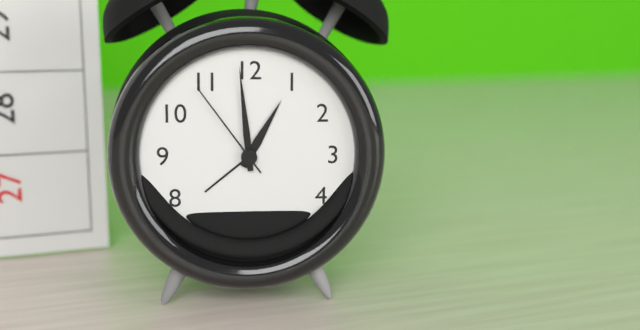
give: {"hour": 12, "minute": 59, "second": 54}
